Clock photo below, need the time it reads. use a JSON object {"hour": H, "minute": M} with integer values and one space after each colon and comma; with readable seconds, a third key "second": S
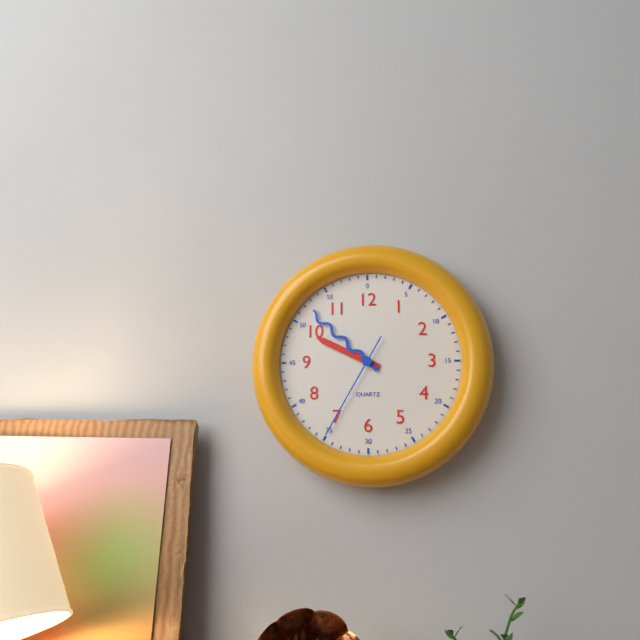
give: {"hour": 9, "minute": 52, "second": 35}
